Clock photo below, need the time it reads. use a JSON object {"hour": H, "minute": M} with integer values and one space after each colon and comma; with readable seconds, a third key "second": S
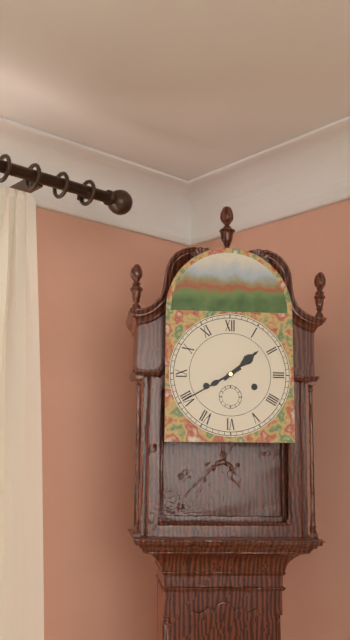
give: {"hour": 1, "minute": 40}
